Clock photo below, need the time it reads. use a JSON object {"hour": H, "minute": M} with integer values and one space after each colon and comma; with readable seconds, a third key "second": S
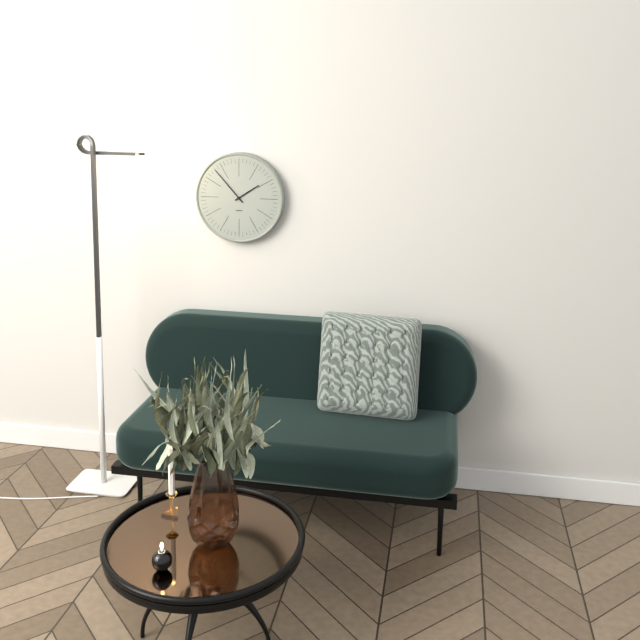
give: {"hour": 1, "minute": 53}
